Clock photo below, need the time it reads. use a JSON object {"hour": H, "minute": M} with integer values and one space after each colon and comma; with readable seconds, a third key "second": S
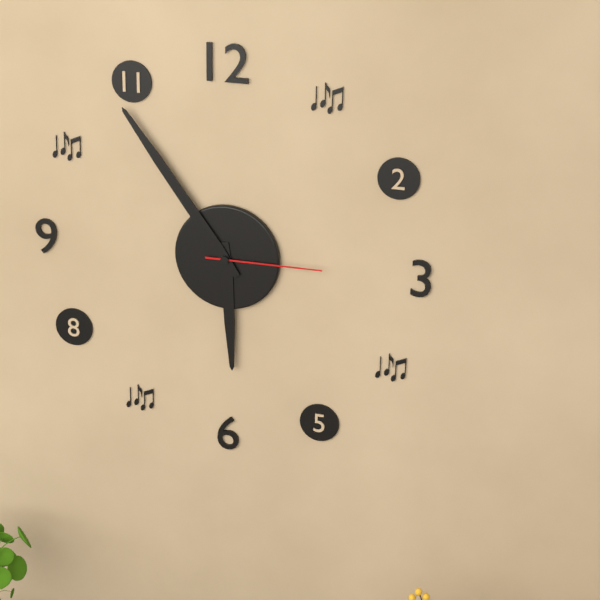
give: {"hour": 5, "minute": 54, "second": 15}
